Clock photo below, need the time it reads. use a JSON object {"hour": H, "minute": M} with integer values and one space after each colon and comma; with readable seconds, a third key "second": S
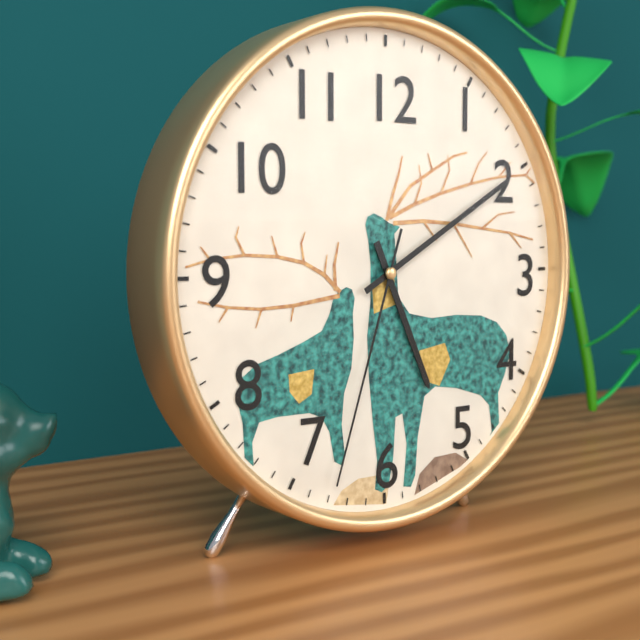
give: {"hour": 5, "minute": 10, "second": 33}
